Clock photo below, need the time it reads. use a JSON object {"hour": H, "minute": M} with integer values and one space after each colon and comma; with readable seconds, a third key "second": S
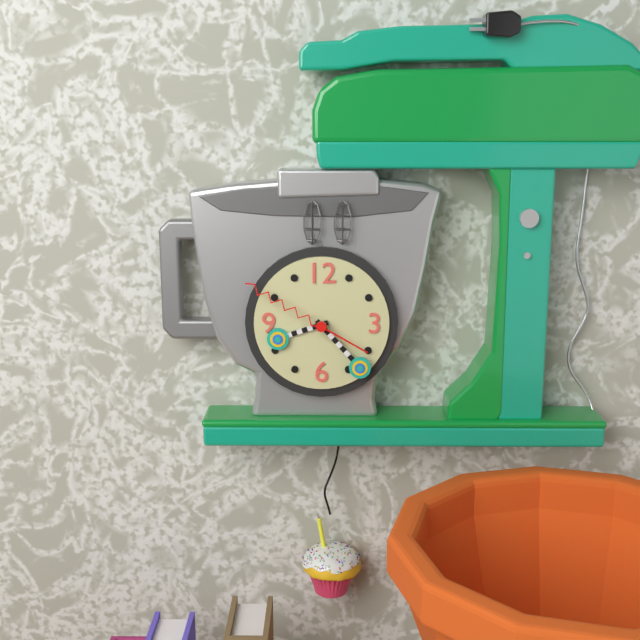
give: {"hour": 8, "minute": 23, "second": 50}
